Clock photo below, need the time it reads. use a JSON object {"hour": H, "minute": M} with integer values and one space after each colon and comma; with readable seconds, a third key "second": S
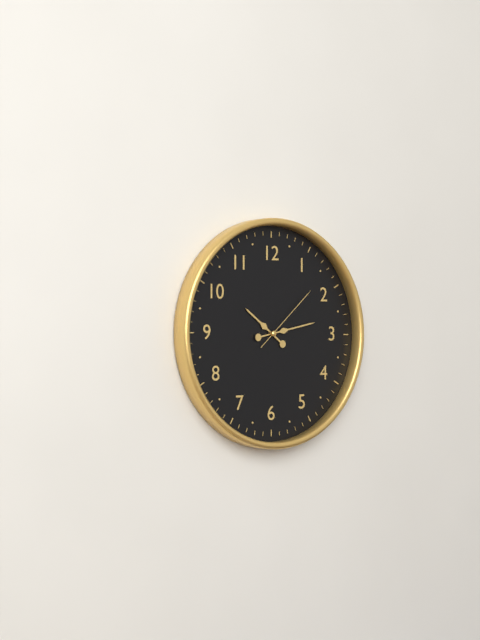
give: {"hour": 10, "minute": 13, "second": 8}
